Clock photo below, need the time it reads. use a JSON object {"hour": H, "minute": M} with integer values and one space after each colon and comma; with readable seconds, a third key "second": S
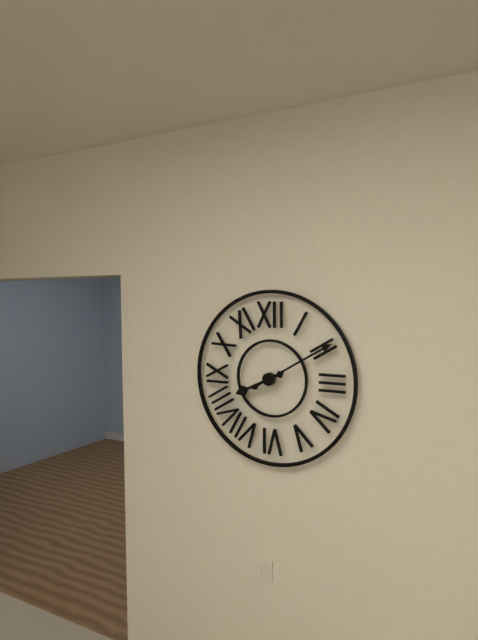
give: {"hour": 8, "minute": 10}
